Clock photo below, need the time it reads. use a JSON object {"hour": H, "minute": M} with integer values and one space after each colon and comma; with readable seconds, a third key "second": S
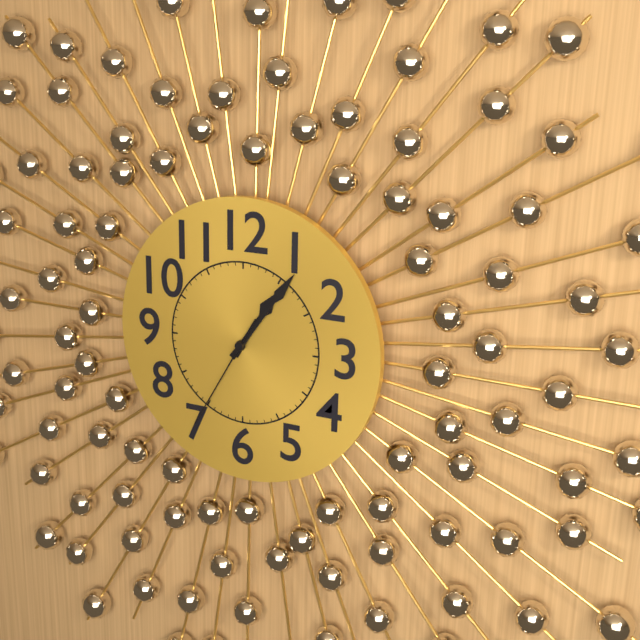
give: {"hour": 1, "minute": 6, "second": 35}
